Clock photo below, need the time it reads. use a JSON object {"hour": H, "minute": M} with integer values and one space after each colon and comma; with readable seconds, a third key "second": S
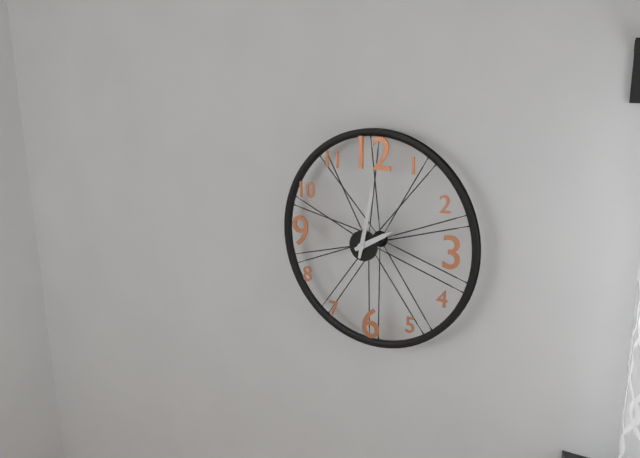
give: {"hour": 2, "minute": 2}
